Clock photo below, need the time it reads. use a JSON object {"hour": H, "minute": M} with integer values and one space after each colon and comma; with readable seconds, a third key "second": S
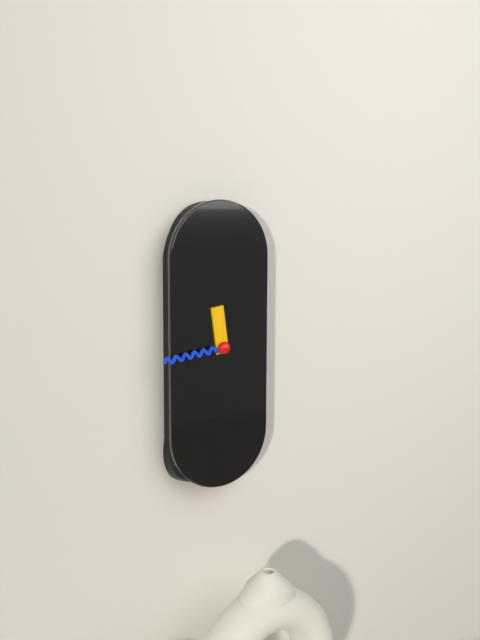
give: {"hour": 11, "minute": 44}
